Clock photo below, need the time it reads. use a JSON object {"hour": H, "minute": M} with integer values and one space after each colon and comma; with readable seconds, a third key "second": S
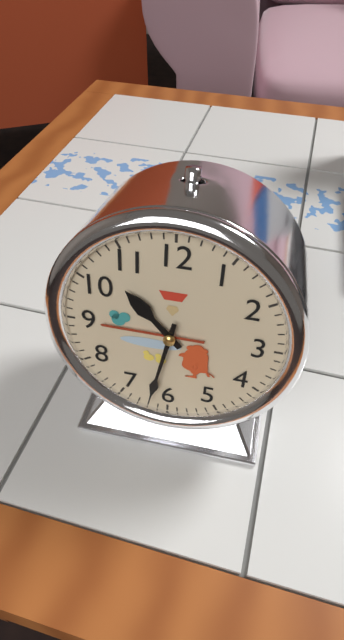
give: {"hour": 10, "minute": 32}
